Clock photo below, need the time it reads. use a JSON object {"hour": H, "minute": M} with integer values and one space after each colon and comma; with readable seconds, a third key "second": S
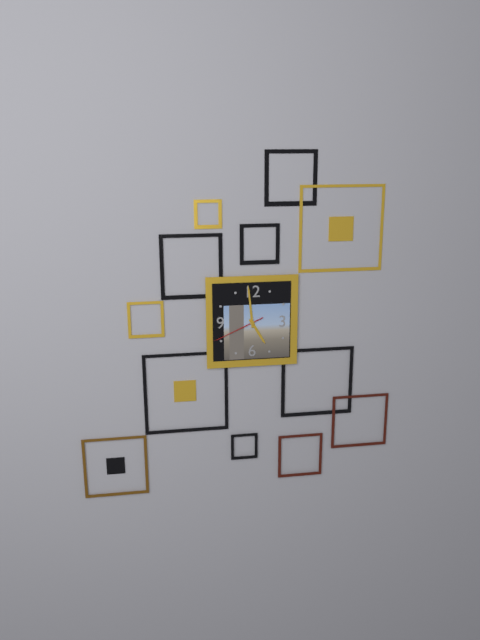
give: {"hour": 4, "minute": 59, "second": 41}
